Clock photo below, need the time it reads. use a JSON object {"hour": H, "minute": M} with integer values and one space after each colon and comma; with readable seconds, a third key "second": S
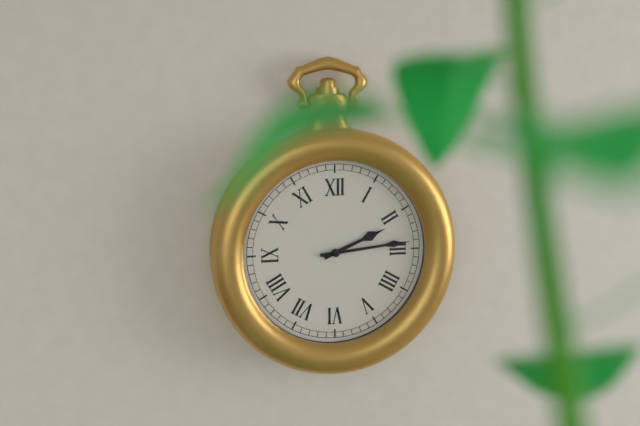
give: {"hour": 2, "minute": 14}
